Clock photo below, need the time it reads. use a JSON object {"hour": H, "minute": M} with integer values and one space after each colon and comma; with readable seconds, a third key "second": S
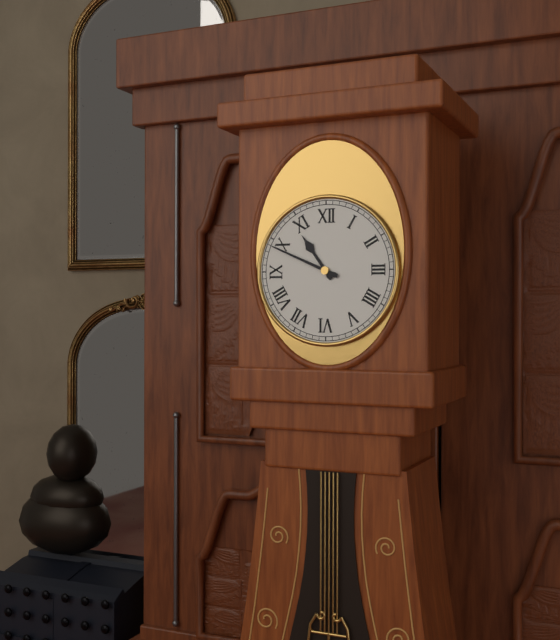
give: {"hour": 10, "minute": 49}
